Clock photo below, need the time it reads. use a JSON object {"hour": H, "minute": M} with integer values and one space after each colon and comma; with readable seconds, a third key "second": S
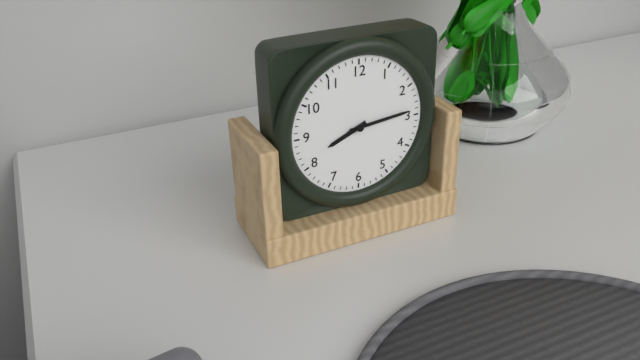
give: {"hour": 8, "minute": 14}
